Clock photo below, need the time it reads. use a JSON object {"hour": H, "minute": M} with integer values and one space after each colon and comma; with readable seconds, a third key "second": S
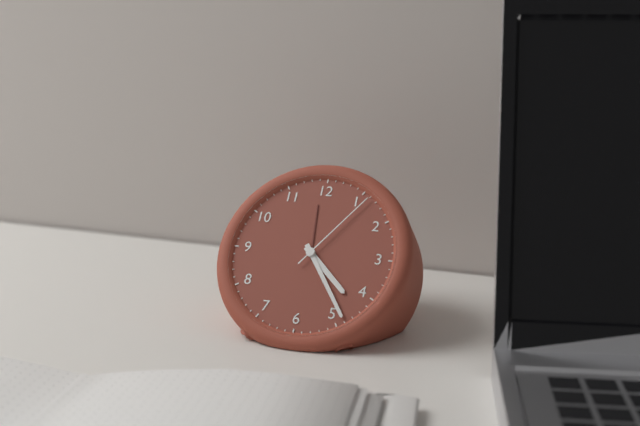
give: {"hour": 4, "minute": 24, "second": 6}
